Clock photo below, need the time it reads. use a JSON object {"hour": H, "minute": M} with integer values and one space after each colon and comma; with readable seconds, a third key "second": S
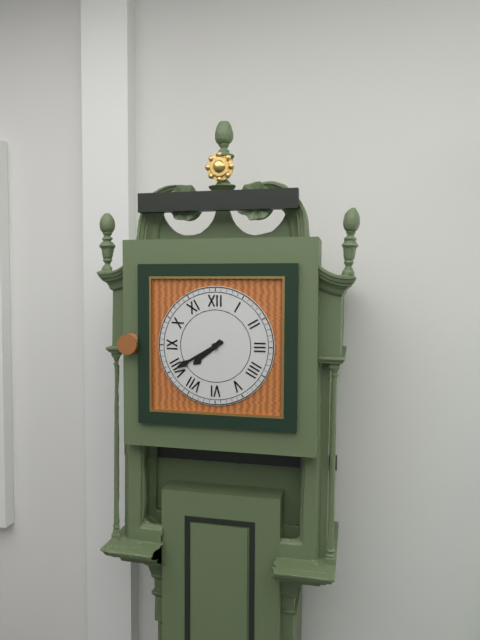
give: {"hour": 7, "minute": 40}
